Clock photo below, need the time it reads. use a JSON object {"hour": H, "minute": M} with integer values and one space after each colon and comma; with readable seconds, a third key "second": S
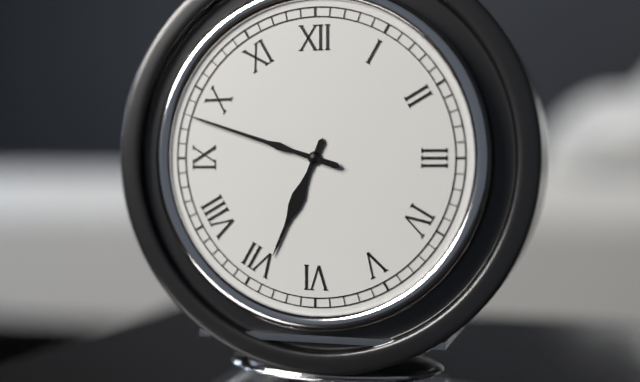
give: {"hour": 6, "minute": 48}
